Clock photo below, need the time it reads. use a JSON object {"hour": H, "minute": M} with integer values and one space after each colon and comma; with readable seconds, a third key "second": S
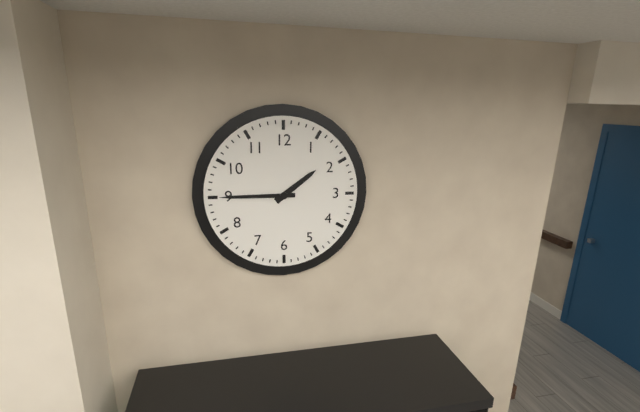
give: {"hour": 1, "minute": 45}
